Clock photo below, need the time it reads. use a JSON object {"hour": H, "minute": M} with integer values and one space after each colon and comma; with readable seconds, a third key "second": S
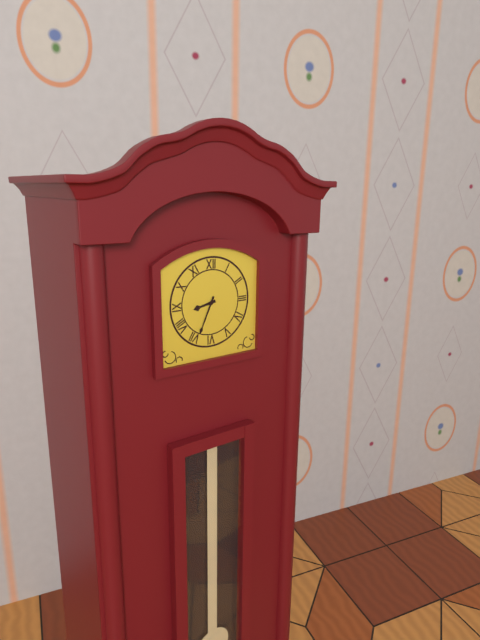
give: {"hour": 8, "minute": 34}
